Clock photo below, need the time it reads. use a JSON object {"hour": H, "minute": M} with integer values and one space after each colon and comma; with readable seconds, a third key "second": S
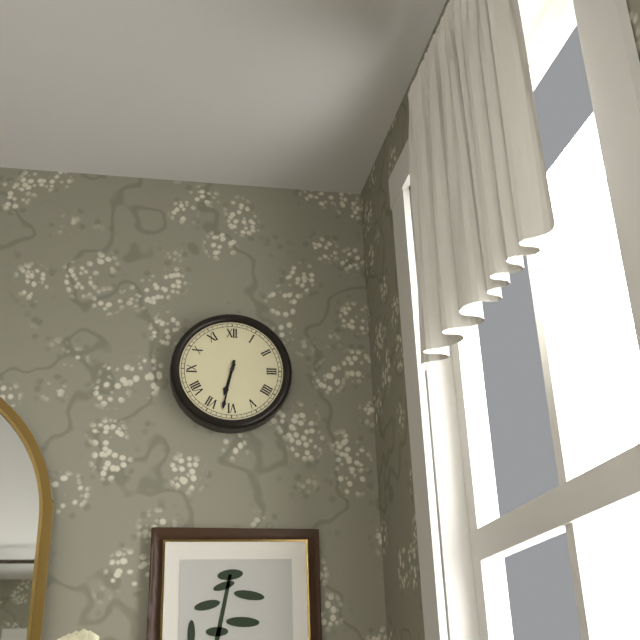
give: {"hour": 6, "minute": 32}
